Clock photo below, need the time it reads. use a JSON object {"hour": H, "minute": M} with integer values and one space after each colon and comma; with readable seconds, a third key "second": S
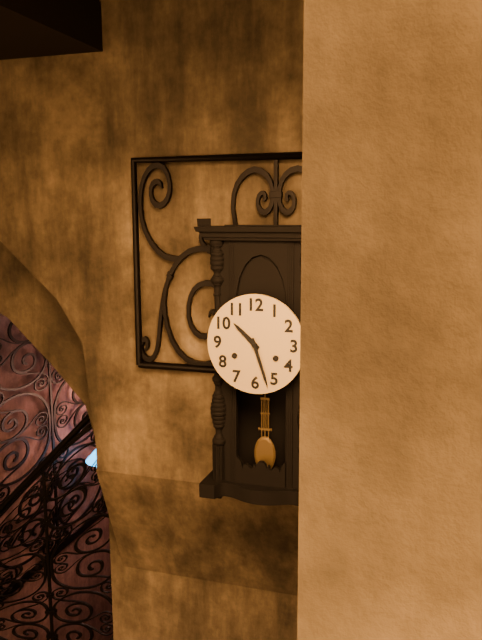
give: {"hour": 10, "minute": 27}
